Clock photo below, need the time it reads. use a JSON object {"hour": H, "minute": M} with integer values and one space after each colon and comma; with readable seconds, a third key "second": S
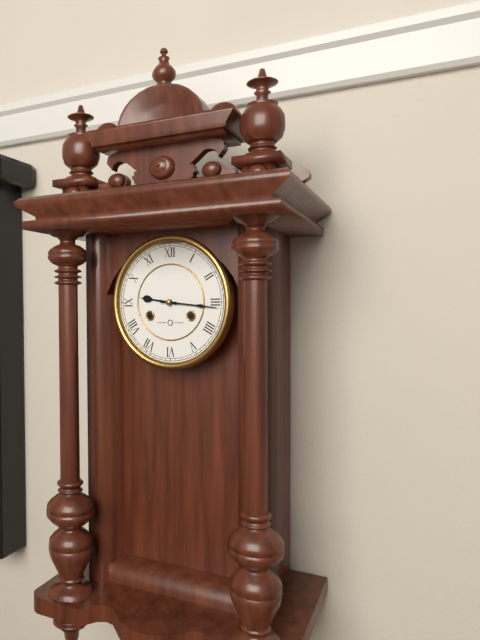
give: {"hour": 9, "minute": 16}
